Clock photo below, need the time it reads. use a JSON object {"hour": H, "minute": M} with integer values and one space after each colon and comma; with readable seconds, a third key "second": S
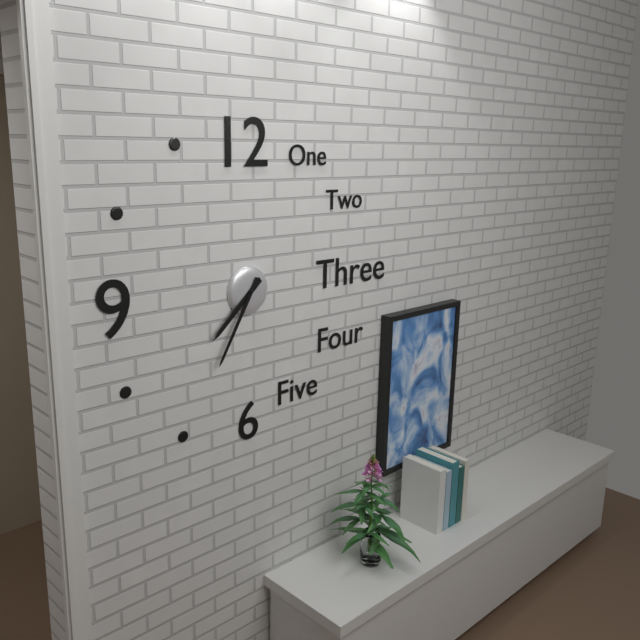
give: {"hour": 7, "minute": 35}
